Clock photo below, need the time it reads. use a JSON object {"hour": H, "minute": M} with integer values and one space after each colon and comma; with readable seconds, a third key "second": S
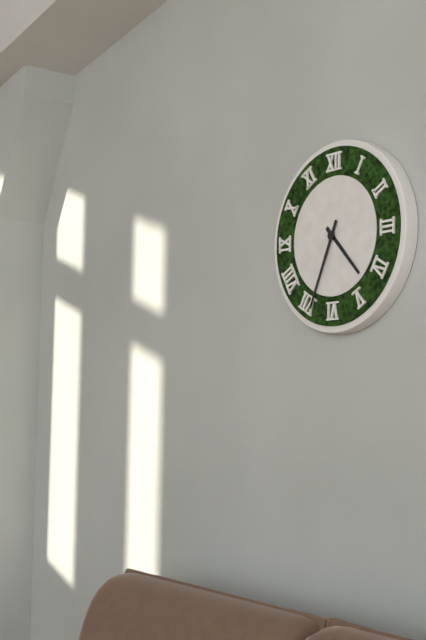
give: {"hour": 4, "minute": 34}
